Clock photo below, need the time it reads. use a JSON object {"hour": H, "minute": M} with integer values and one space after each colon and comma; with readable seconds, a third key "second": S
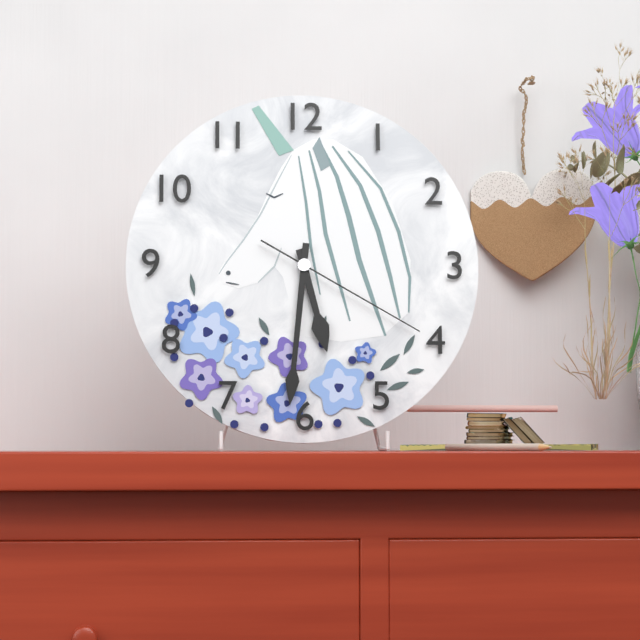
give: {"hour": 5, "minute": 31, "second": 20}
